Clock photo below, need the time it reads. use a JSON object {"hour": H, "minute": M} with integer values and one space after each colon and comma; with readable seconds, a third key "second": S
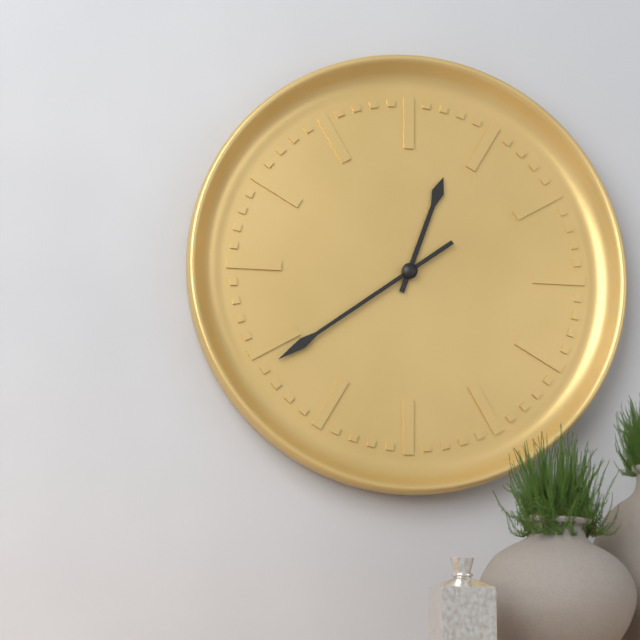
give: {"hour": 12, "minute": 39}
